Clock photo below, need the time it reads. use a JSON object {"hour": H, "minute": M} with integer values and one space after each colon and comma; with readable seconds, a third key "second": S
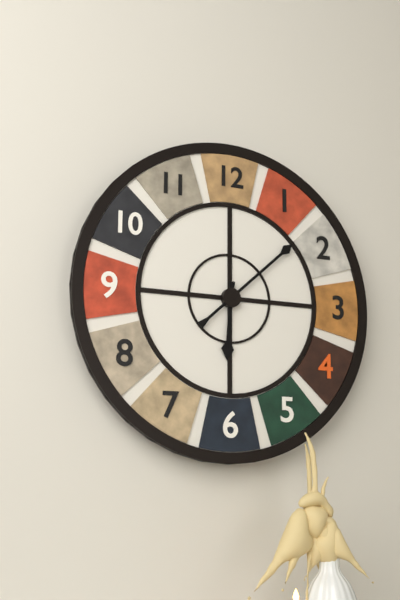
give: {"hour": 6, "minute": 8}
